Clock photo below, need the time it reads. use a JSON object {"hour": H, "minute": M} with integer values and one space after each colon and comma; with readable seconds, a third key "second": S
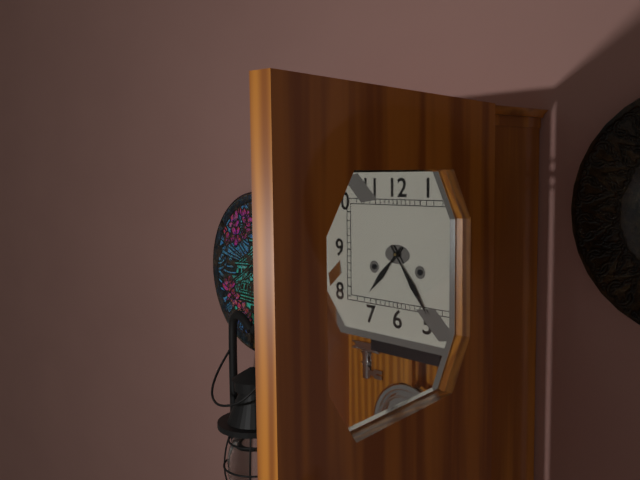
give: {"hour": 7, "minute": 24}
